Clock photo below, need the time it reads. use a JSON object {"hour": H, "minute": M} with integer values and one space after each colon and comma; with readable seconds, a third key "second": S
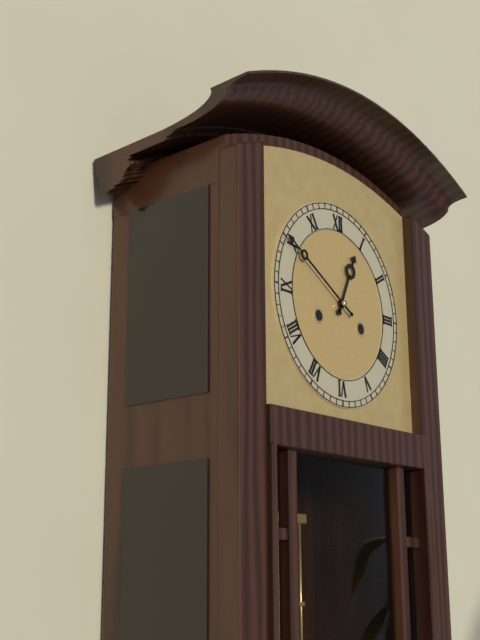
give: {"hour": 12, "minute": 50}
